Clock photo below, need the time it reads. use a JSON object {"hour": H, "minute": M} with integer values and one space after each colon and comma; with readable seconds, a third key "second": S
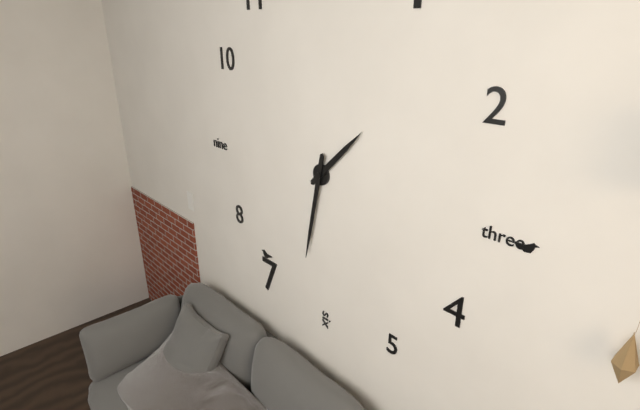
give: {"hour": 1, "minute": 32}
